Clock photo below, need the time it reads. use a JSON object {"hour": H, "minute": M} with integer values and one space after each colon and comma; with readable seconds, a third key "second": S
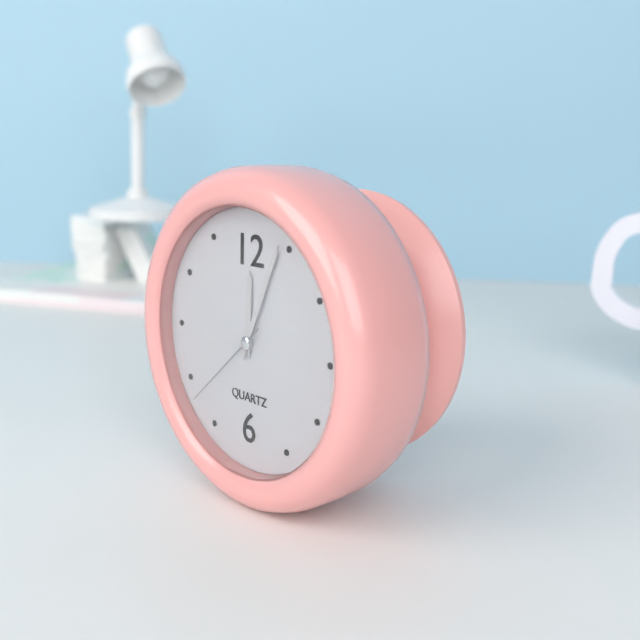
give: {"hour": 12, "minute": 4, "second": 38}
